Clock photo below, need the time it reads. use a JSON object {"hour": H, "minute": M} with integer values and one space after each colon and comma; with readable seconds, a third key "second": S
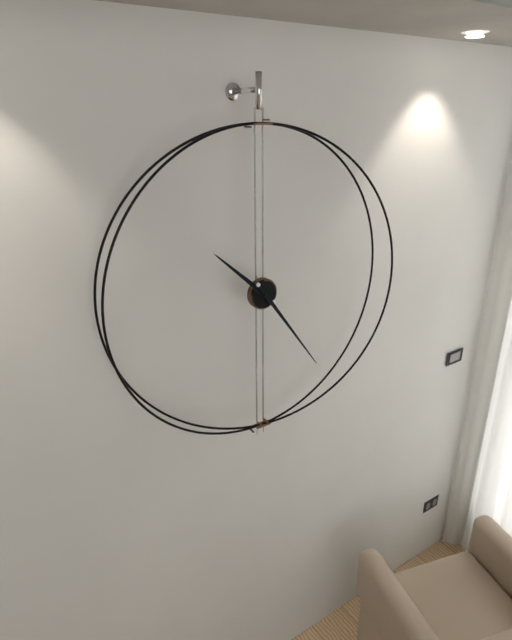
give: {"hour": 10, "minute": 24}
